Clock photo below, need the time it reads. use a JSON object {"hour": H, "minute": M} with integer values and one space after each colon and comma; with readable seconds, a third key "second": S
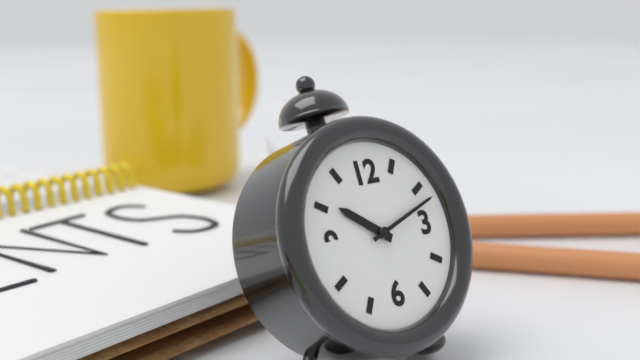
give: {"hour": 10, "minute": 12}
